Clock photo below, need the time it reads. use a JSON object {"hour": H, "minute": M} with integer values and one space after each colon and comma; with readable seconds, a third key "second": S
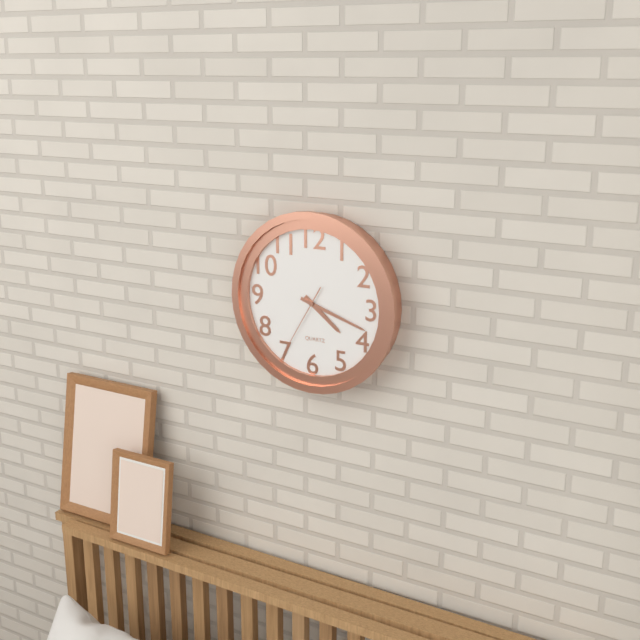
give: {"hour": 4, "minute": 18, "second": 35}
